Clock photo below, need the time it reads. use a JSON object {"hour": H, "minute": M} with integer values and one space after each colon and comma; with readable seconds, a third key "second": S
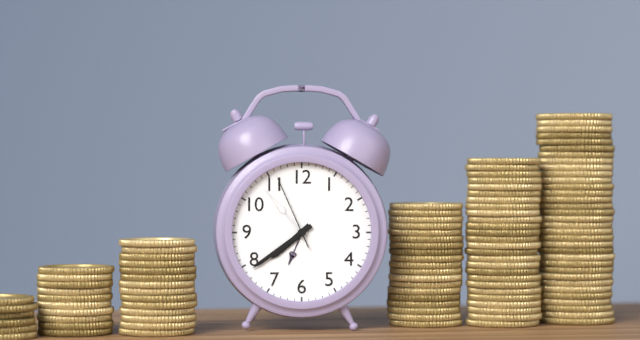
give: {"hour": 7, "minute": 39, "second": 56}
